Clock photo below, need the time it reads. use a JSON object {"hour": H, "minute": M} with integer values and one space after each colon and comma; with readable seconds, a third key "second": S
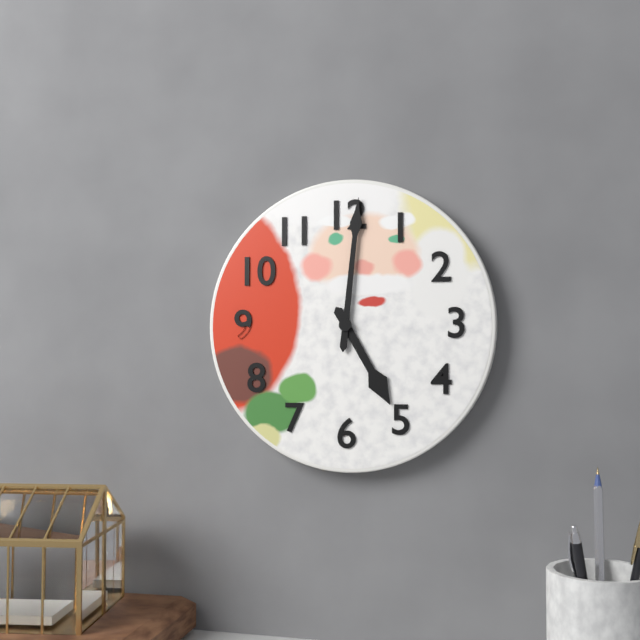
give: {"hour": 5, "minute": 1}
